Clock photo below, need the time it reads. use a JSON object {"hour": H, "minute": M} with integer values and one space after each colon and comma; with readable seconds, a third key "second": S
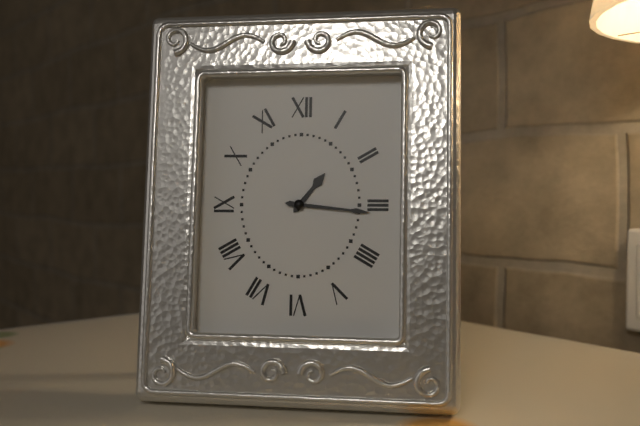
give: {"hour": 1, "minute": 16}
